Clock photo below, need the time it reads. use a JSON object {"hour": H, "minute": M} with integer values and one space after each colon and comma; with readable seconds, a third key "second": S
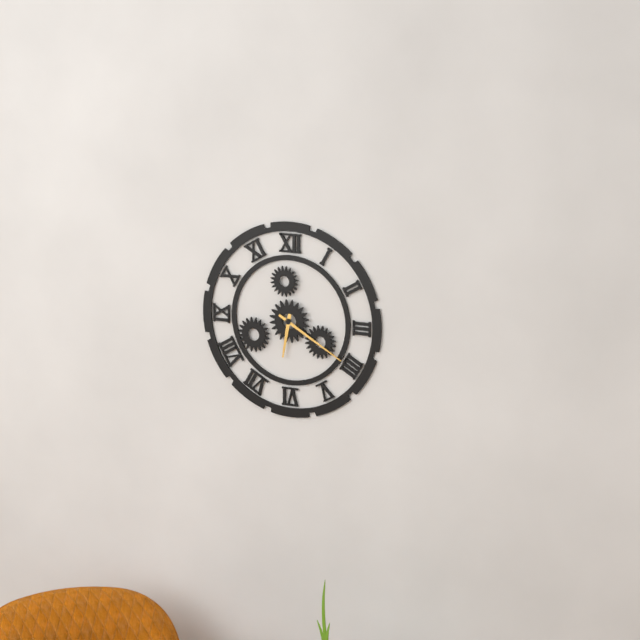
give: {"hour": 6, "minute": 20}
